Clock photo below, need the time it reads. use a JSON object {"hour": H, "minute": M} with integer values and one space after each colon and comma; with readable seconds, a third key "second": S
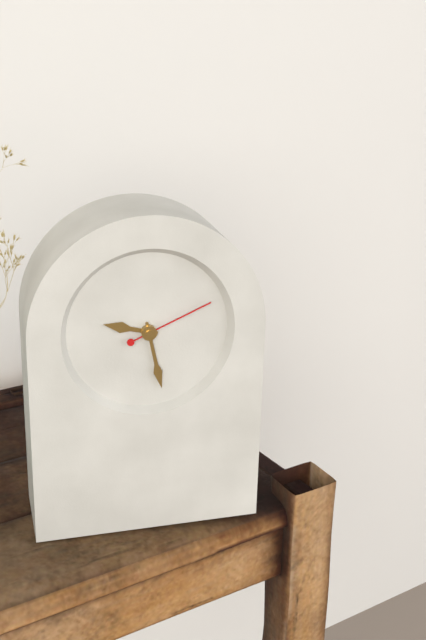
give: {"hour": 9, "minute": 28, "second": 11}
